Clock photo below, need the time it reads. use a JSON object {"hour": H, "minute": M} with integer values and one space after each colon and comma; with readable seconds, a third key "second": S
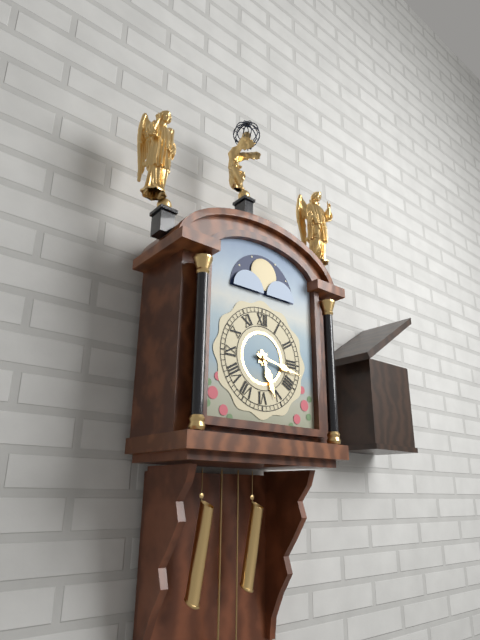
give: {"hour": 5, "minute": 17}
